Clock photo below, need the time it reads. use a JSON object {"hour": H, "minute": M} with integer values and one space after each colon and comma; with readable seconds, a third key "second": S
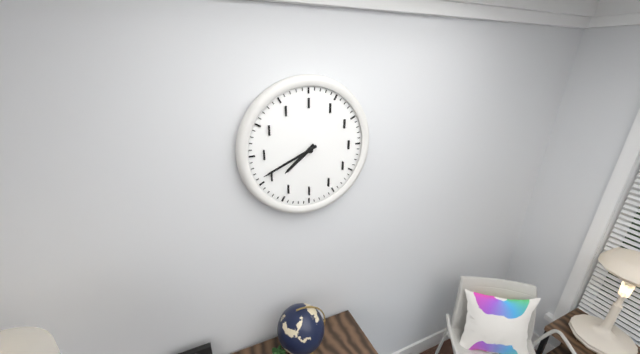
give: {"hour": 7, "minute": 41}
